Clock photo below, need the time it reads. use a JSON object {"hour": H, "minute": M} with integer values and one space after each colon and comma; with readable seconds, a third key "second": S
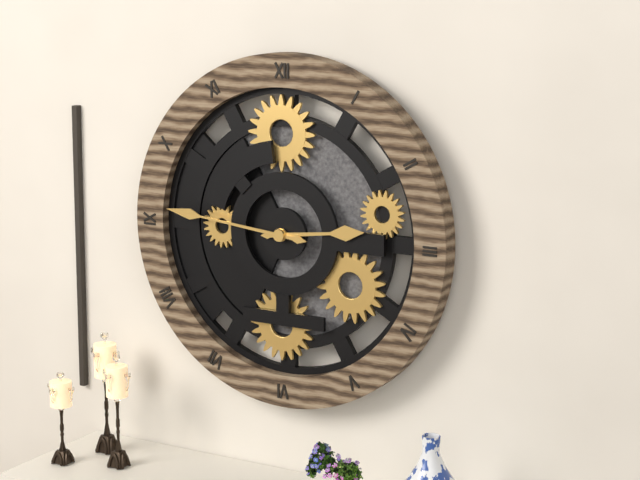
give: {"hour": 2, "minute": 46}
